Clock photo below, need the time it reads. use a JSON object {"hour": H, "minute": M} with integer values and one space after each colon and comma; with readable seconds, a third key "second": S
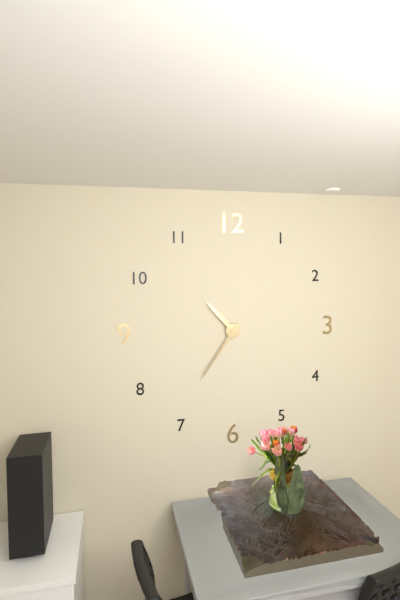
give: {"hour": 10, "minute": 36}
